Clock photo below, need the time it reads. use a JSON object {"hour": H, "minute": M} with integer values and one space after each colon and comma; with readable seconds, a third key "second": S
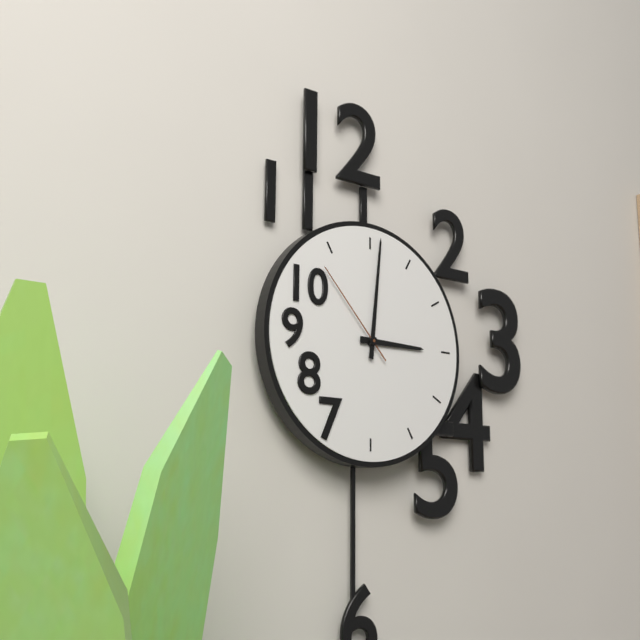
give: {"hour": 3, "minute": 1, "second": 53}
